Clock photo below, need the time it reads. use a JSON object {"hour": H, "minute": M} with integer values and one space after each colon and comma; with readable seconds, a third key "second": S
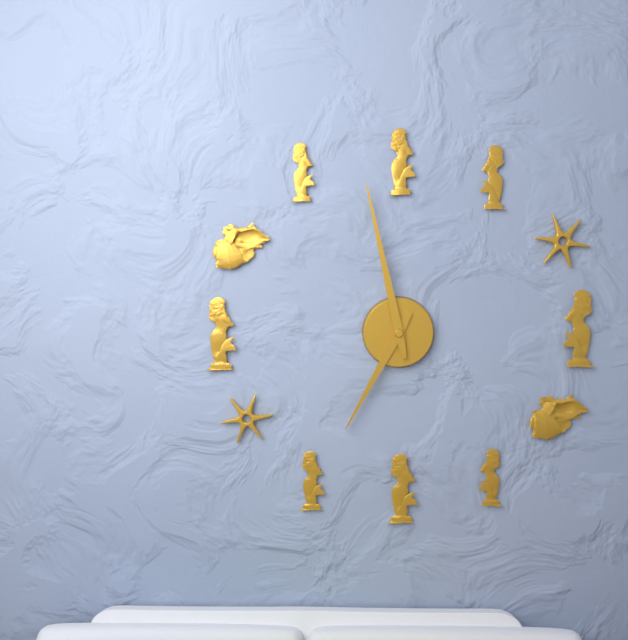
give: {"hour": 6, "minute": 58}
